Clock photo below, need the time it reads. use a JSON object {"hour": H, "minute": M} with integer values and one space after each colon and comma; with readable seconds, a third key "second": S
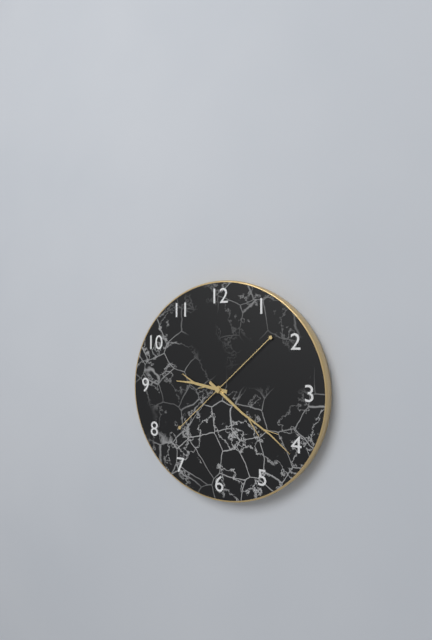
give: {"hour": 9, "minute": 21, "second": 8}
